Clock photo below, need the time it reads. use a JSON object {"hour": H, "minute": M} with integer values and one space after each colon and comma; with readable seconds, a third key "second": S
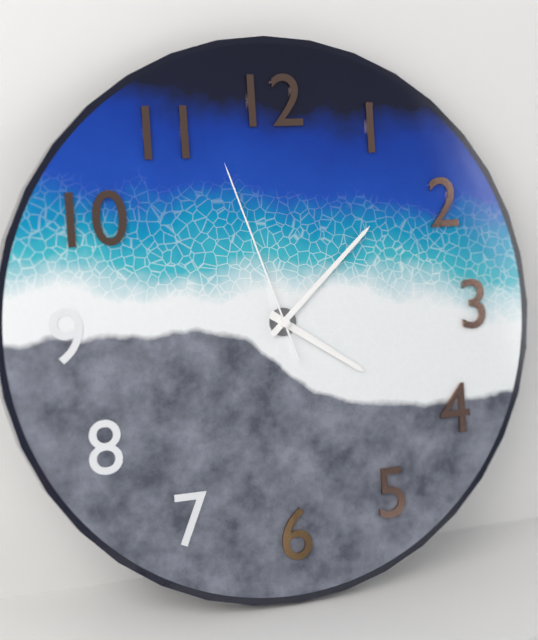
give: {"hour": 4, "minute": 8, "second": 57}
